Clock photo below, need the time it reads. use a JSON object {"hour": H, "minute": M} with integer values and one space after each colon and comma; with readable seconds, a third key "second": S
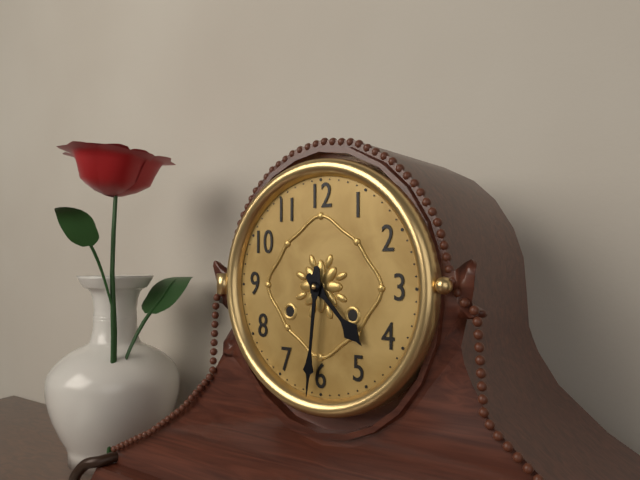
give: {"hour": 4, "minute": 31}
